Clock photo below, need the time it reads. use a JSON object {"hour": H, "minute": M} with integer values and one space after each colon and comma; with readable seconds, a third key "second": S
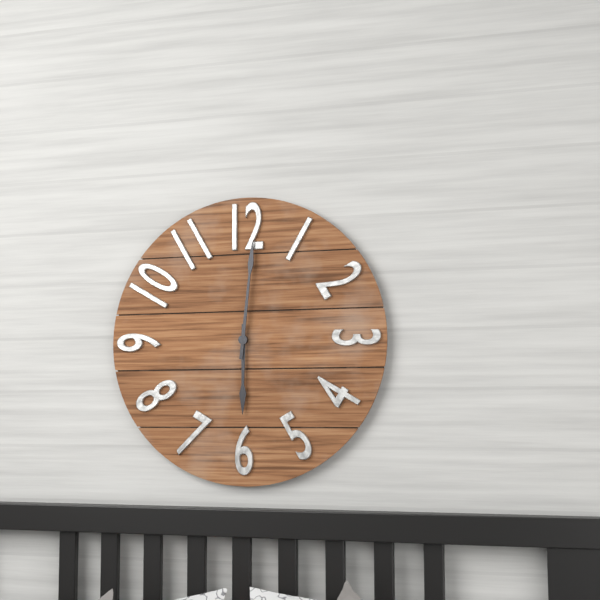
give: {"hour": 6, "minute": 1}
